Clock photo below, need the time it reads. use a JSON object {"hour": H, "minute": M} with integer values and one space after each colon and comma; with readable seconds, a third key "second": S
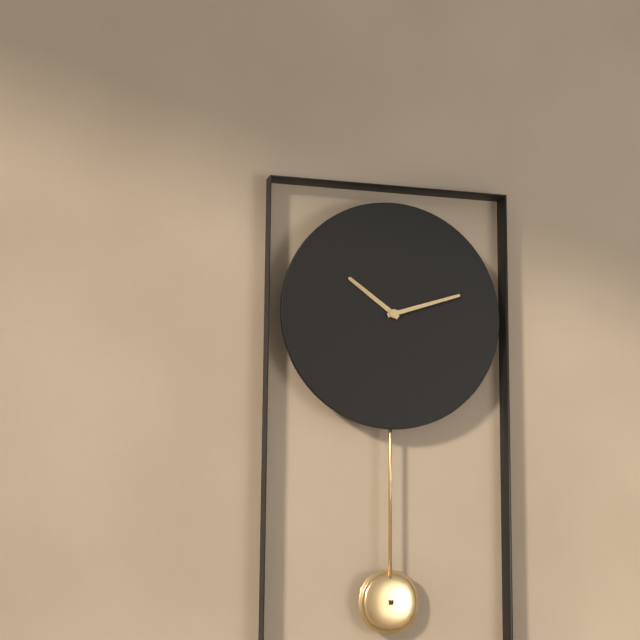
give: {"hour": 10, "minute": 12}
